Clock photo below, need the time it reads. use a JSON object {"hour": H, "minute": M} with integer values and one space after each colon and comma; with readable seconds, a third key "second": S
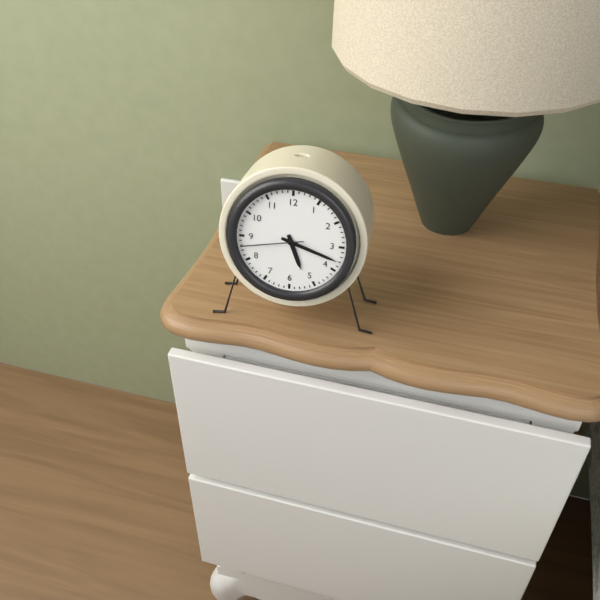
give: {"hour": 5, "minute": 18, "second": 43}
